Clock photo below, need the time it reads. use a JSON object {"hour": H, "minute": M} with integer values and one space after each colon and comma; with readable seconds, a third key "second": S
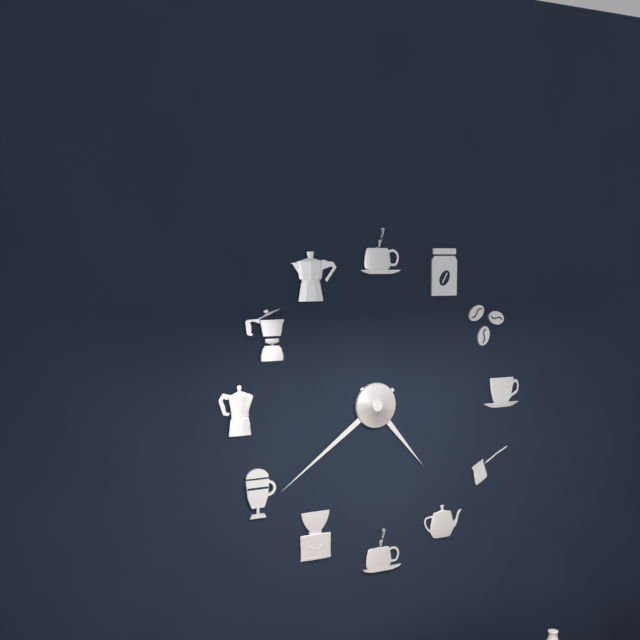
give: {"hour": 4, "minute": 39}
